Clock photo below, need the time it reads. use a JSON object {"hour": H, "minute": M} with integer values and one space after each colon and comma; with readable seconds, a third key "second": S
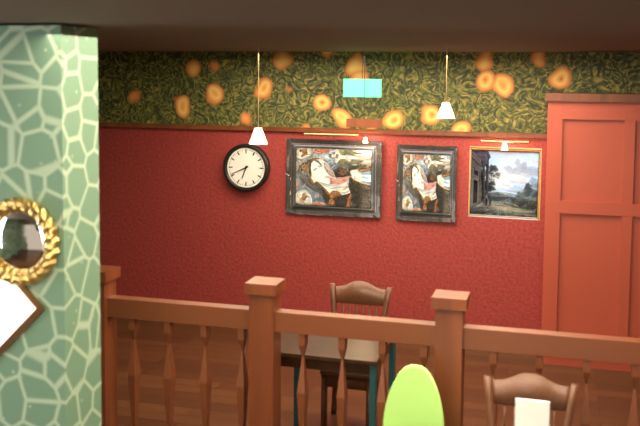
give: {"hour": 6, "minute": 41}
